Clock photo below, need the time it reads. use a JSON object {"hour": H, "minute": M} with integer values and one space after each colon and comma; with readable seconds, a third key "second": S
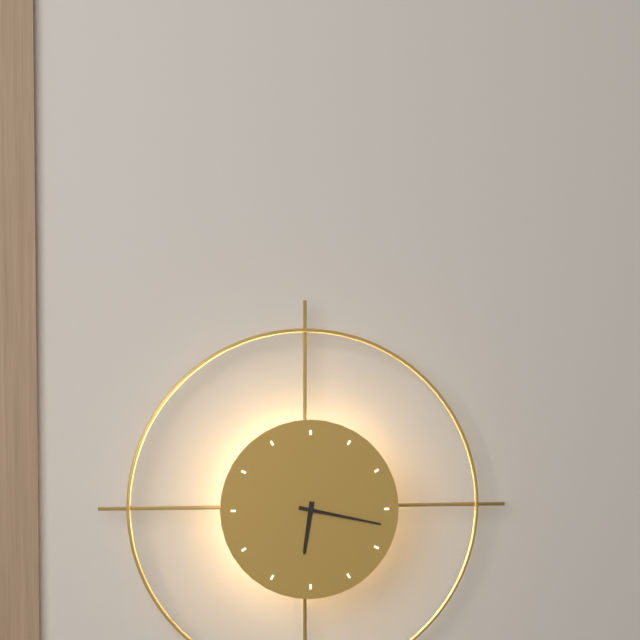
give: {"hour": 6, "minute": 17}
